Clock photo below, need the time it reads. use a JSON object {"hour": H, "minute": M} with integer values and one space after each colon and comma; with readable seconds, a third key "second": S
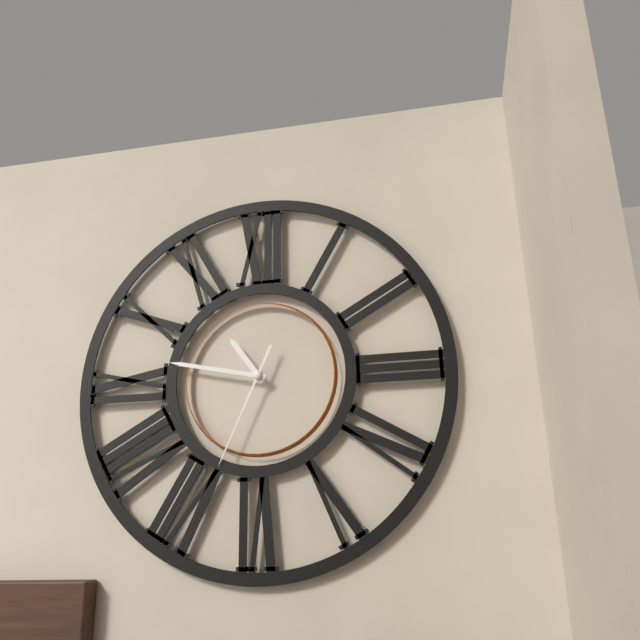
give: {"hour": 10, "minute": 47, "second": 34}
